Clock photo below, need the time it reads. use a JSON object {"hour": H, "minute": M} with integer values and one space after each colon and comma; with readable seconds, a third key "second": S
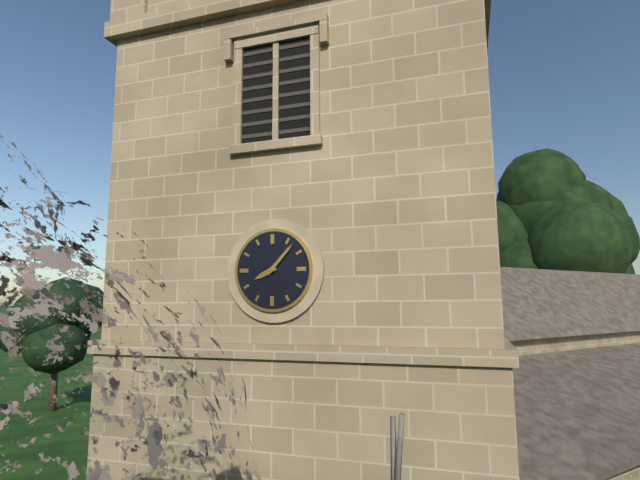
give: {"hour": 8, "minute": 7}
